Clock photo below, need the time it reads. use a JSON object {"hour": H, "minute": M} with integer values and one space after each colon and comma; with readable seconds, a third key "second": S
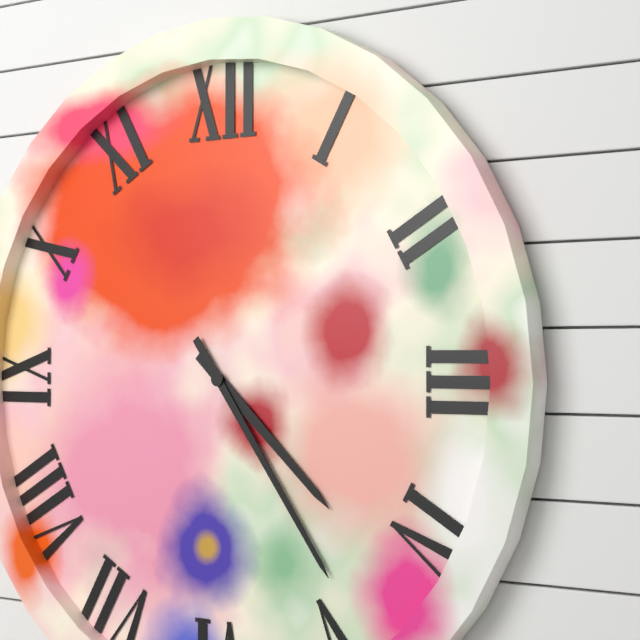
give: {"hour": 4, "minute": 24}
